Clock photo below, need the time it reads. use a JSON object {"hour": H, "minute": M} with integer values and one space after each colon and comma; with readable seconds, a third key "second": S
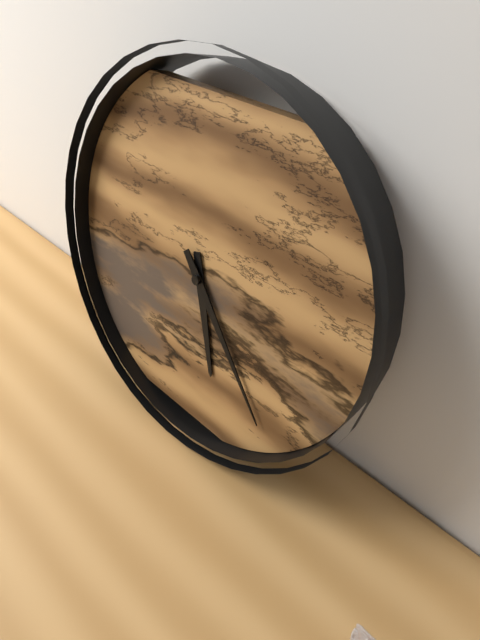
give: {"hour": 5, "minute": 23}
